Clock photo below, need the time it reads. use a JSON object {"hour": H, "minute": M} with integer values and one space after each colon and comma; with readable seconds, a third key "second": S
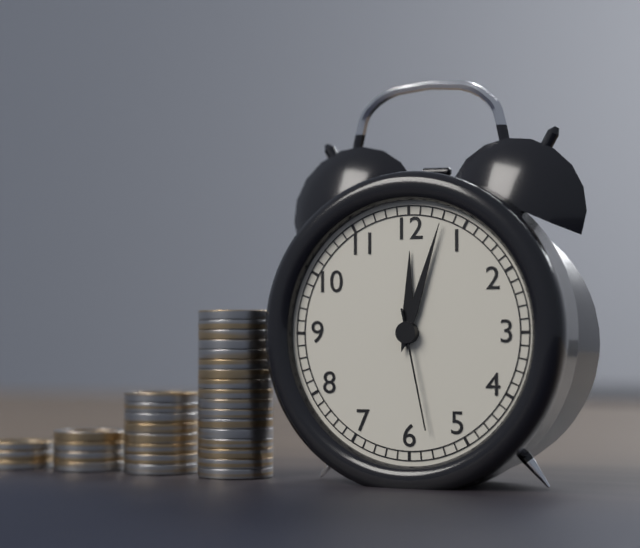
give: {"hour": 12, "minute": 3, "second": 28}
